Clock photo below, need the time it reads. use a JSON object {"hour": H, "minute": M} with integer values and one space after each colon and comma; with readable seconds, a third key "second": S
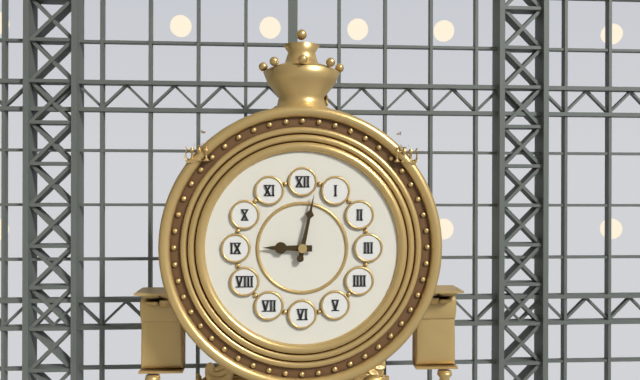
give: {"hour": 9, "minute": 2}
